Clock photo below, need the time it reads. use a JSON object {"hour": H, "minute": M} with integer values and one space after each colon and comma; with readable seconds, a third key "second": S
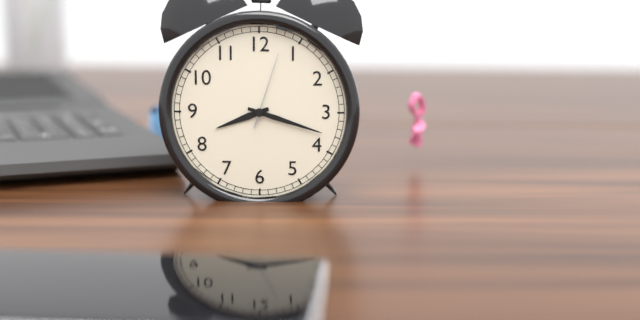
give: {"hour": 8, "minute": 18, "second": 3}
